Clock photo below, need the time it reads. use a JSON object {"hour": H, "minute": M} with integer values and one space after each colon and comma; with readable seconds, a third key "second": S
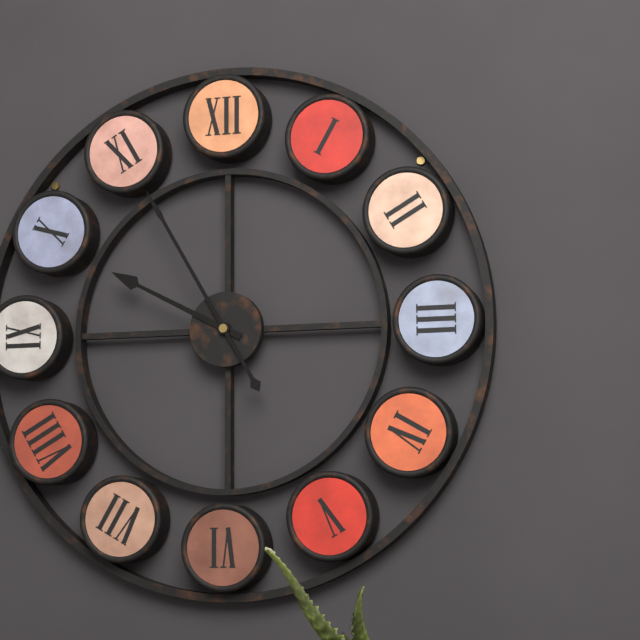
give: {"hour": 9, "minute": 55}
